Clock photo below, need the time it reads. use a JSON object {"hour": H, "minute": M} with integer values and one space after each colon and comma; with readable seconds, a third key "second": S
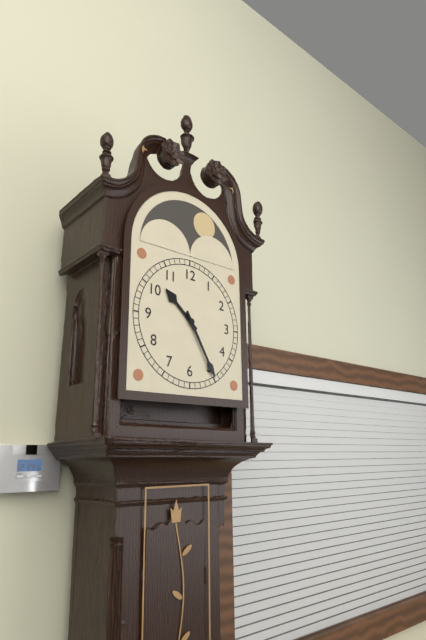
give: {"hour": 10, "minute": 25}
